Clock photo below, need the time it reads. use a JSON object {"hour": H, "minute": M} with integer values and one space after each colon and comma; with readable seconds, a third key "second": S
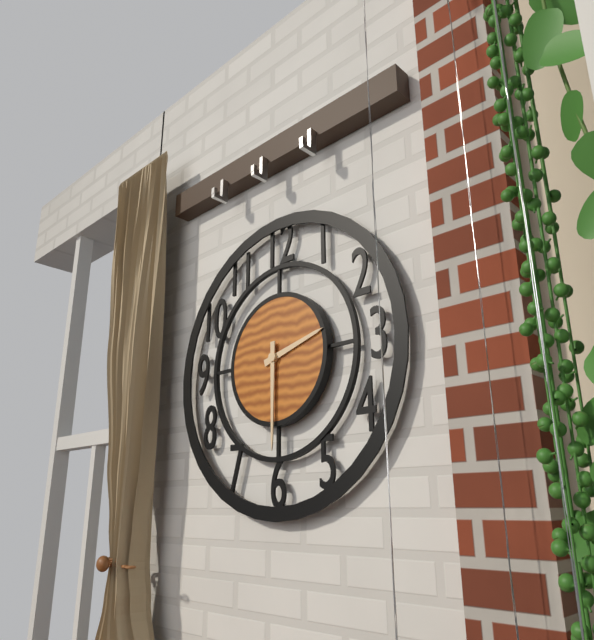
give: {"hour": 2, "minute": 30}
